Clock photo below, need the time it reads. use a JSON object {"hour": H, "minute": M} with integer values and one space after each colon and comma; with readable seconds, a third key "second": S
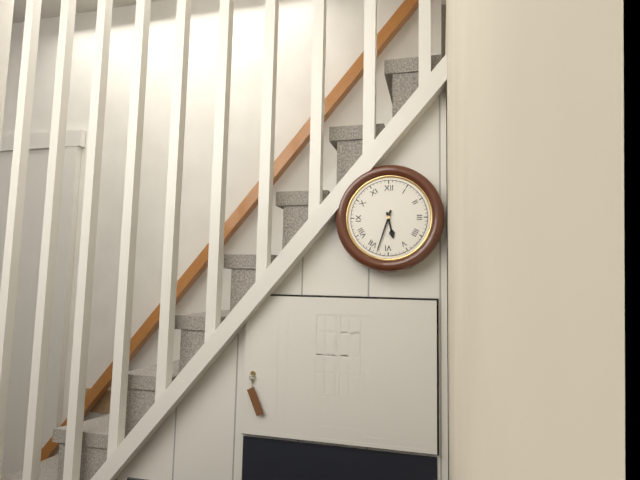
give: {"hour": 5, "minute": 33}
